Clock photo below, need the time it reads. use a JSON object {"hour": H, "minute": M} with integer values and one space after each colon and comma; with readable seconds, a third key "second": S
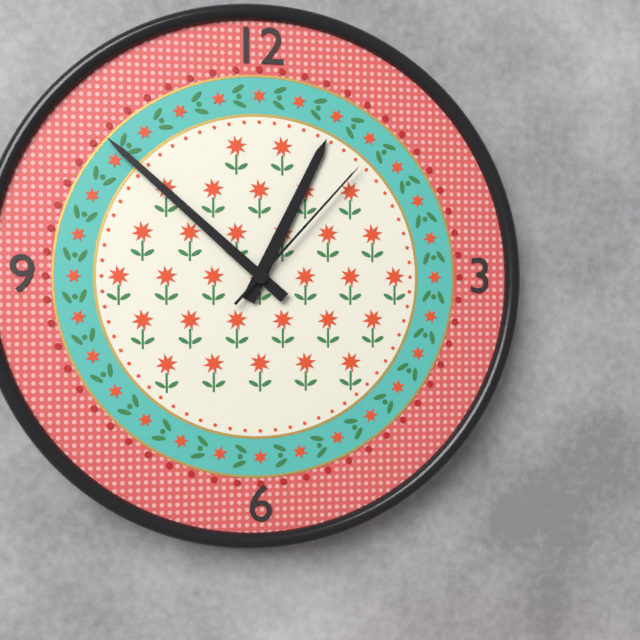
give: {"hour": 12, "minute": 52, "second": 7}
